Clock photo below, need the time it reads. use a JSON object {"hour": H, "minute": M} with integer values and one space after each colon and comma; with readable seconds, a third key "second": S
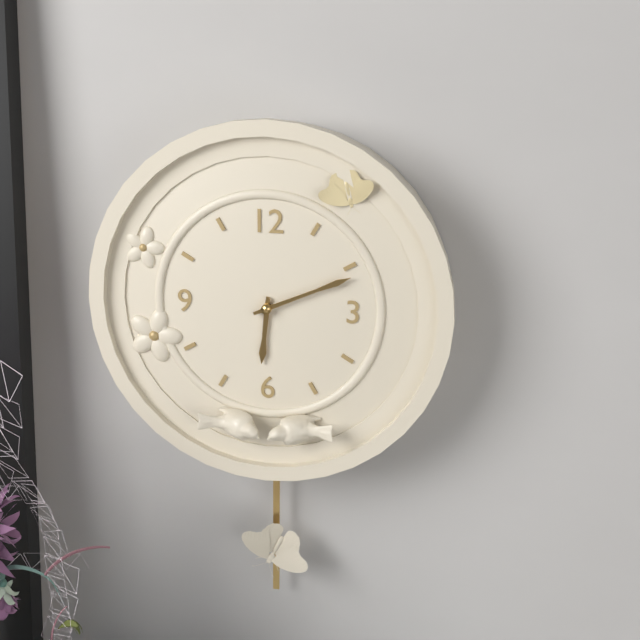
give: {"hour": 6, "minute": 11}
